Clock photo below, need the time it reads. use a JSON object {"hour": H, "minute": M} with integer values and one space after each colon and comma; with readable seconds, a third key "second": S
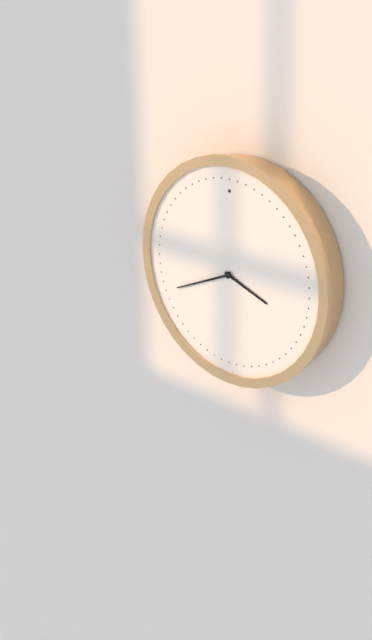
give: {"hour": 3, "minute": 41}
